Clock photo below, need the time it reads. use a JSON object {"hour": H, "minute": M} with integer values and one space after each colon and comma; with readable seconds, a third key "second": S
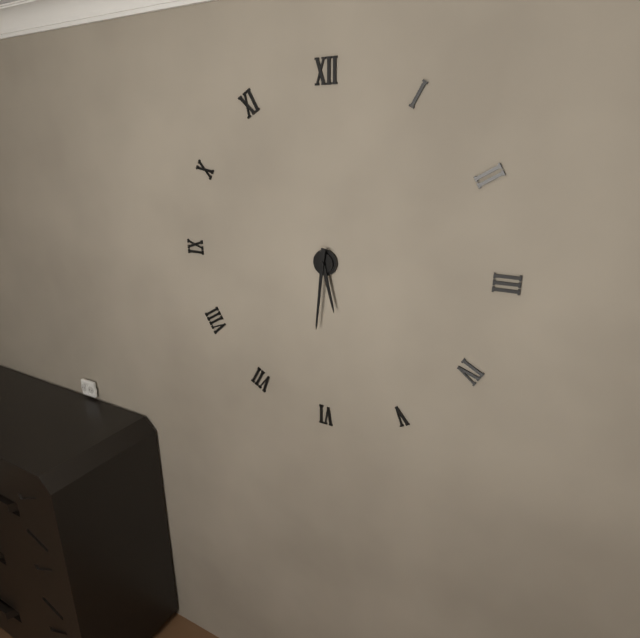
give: {"hour": 5, "minute": 31}
